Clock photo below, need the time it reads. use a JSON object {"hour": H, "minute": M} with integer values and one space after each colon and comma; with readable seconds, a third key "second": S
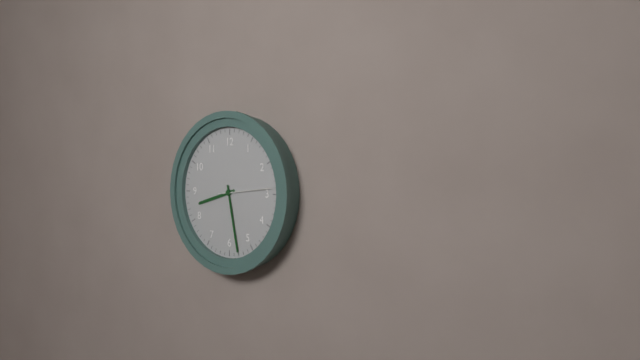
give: {"hour": 8, "minute": 28, "second": 14}
